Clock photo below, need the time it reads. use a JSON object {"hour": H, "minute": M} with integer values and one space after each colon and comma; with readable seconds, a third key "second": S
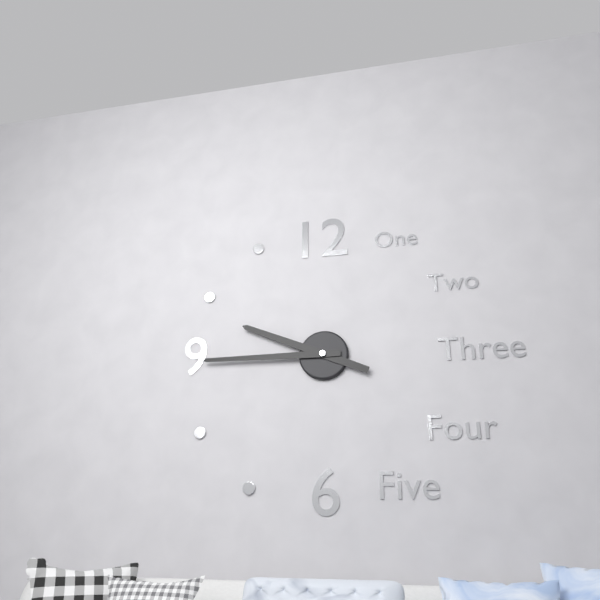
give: {"hour": 9, "minute": 45}
